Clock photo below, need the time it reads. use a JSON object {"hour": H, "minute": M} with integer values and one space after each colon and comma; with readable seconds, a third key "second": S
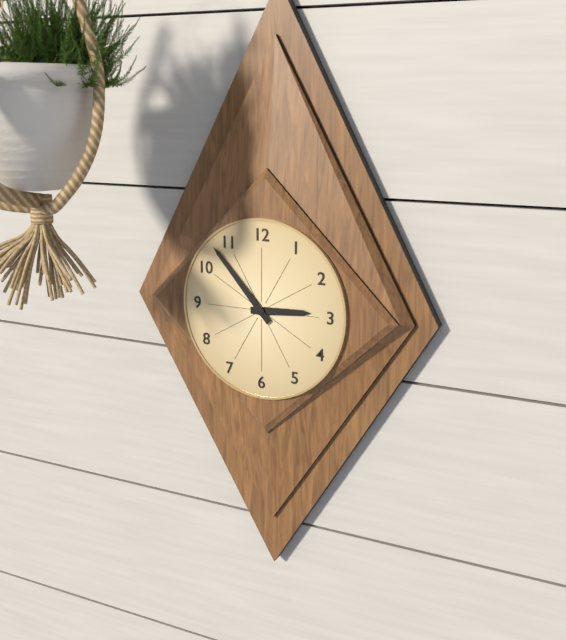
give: {"hour": 2, "minute": 53}
